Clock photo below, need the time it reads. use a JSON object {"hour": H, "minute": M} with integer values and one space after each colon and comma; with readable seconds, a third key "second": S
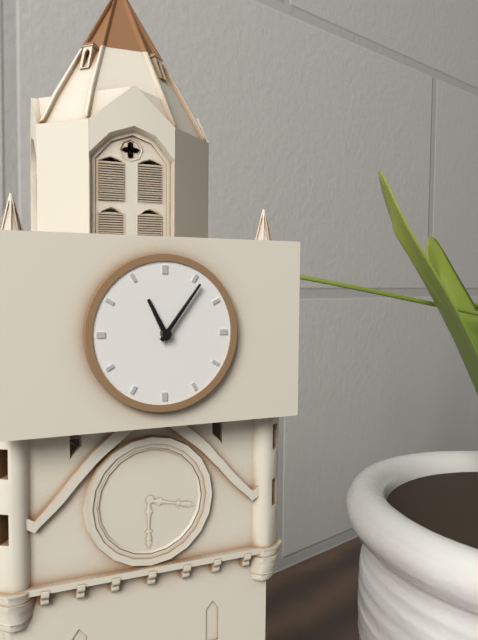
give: {"hour": 11, "minute": 6}
